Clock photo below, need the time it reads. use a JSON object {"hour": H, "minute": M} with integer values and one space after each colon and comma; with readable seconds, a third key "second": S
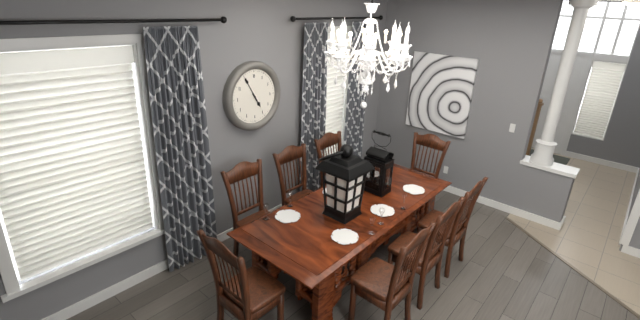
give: {"hour": 4, "minute": 55}
